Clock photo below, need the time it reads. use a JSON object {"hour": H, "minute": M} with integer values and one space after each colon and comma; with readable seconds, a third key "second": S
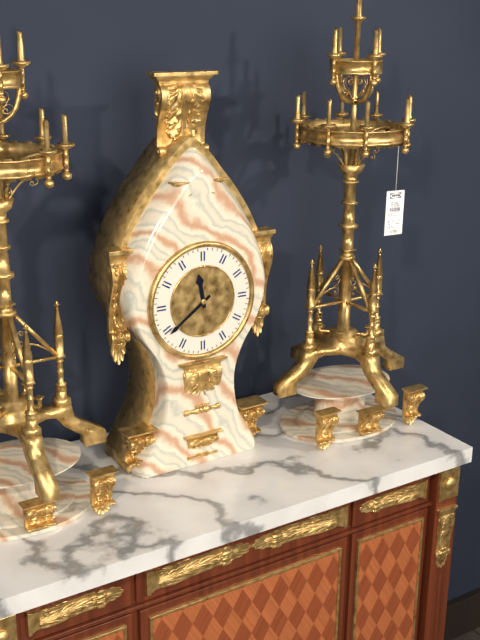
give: {"hour": 11, "minute": 39}
